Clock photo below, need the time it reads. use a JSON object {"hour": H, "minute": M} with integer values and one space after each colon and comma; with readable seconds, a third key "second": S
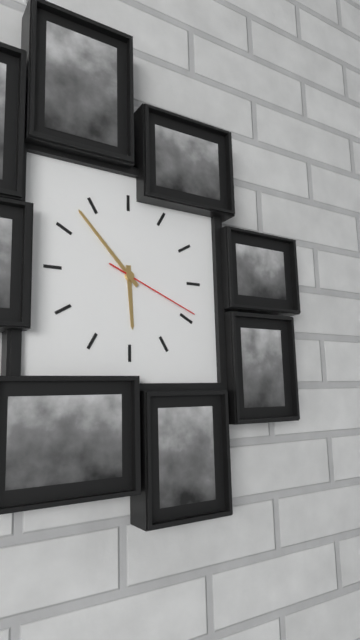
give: {"hour": 5, "minute": 53, "second": 19}
